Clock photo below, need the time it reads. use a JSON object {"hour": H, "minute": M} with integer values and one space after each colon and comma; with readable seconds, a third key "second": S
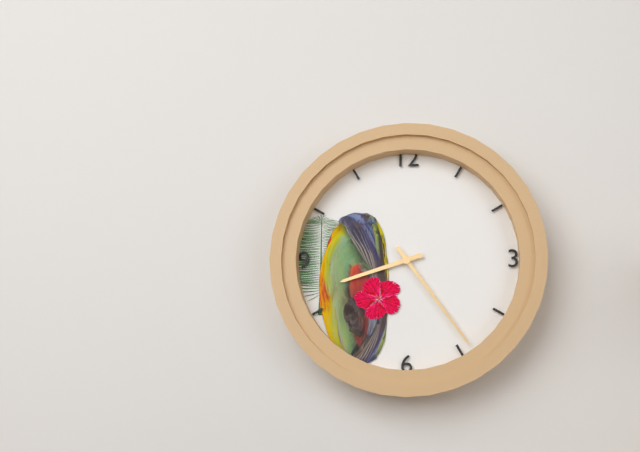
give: {"hour": 8, "minute": 24}
